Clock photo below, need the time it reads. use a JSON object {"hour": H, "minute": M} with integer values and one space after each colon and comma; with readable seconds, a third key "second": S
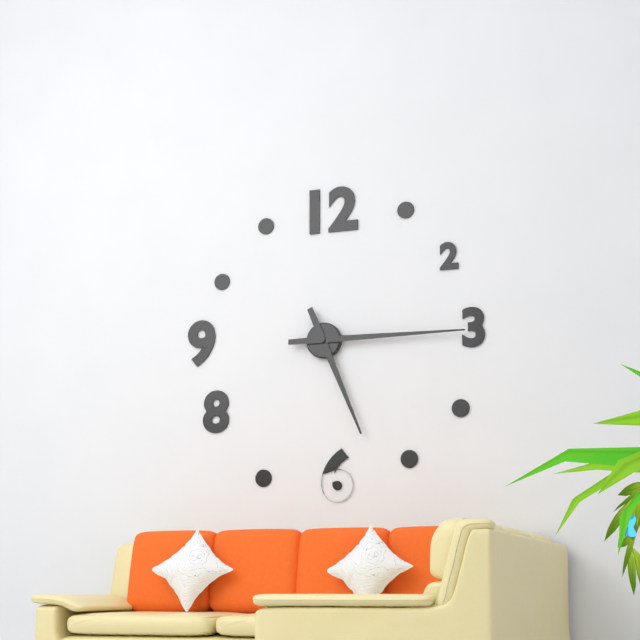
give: {"hour": 5, "minute": 15}
